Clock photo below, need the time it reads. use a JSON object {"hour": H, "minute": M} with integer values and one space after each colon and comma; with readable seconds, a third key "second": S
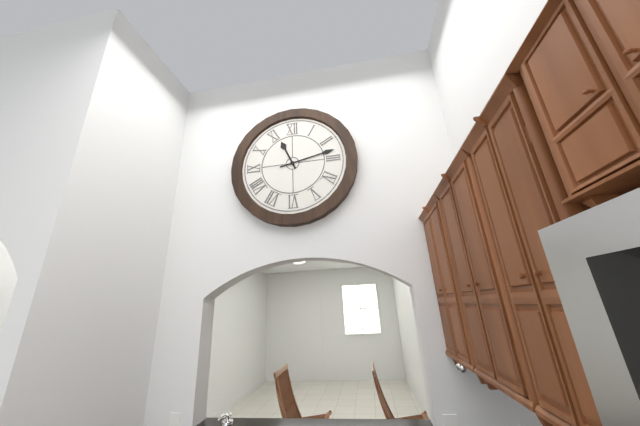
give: {"hour": 11, "minute": 13}
